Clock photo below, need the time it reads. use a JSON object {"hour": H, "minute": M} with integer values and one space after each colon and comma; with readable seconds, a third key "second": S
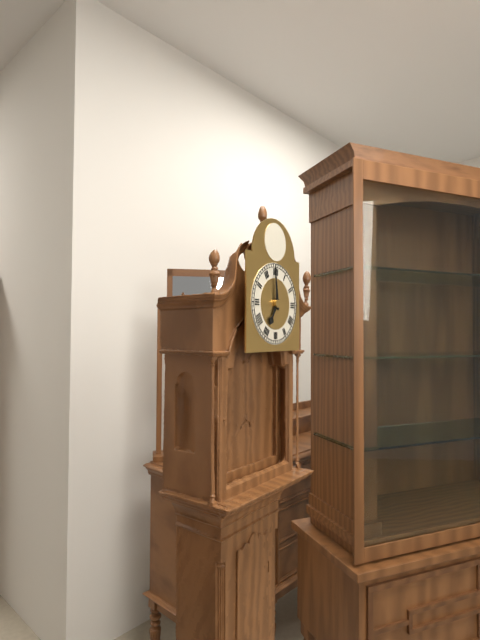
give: {"hour": 6, "minute": 59}
